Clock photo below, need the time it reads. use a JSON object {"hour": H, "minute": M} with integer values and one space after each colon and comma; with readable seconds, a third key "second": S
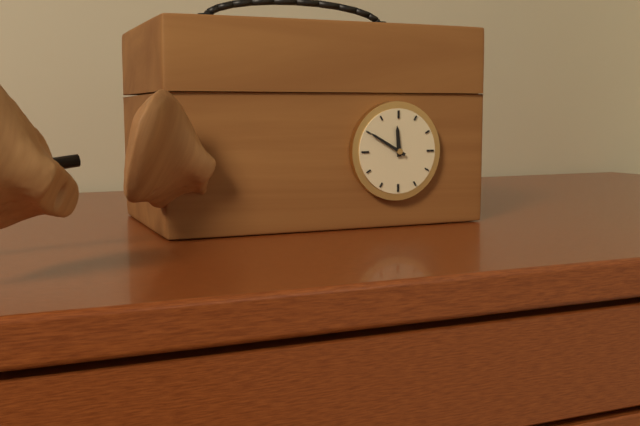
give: {"hour": 11, "minute": 50}
